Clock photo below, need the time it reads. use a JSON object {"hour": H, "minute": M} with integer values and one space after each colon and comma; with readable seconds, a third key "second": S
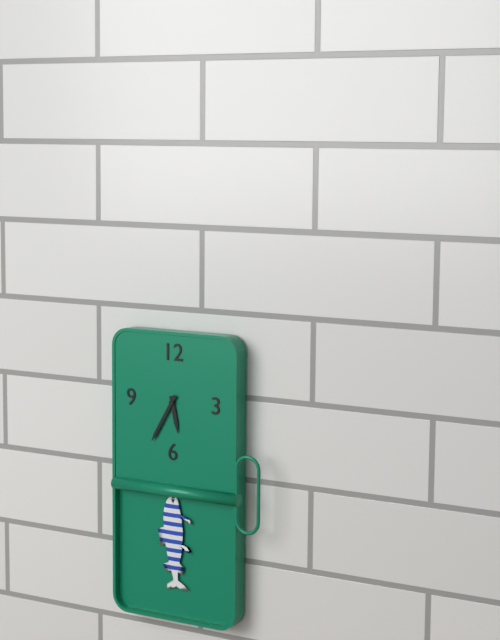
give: {"hour": 5, "minute": 35}
